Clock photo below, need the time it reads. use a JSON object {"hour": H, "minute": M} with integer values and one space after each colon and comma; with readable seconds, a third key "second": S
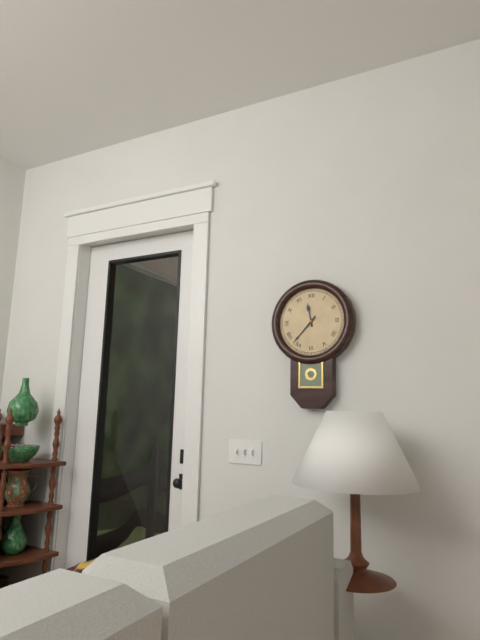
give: {"hour": 11, "minute": 37}
